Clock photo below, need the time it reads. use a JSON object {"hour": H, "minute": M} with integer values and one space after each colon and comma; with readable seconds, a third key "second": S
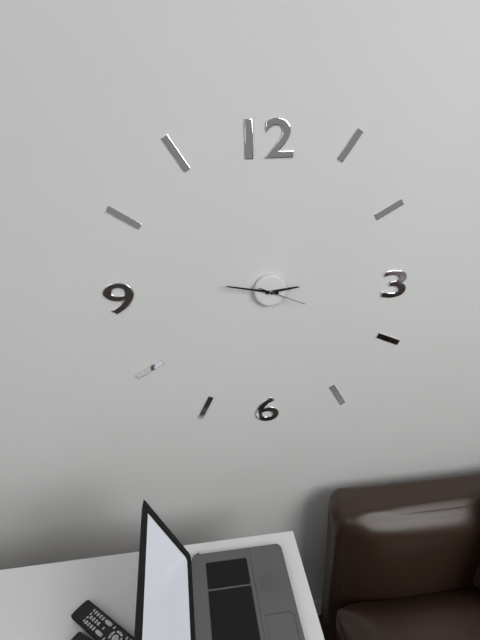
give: {"hour": 2, "minute": 47}
